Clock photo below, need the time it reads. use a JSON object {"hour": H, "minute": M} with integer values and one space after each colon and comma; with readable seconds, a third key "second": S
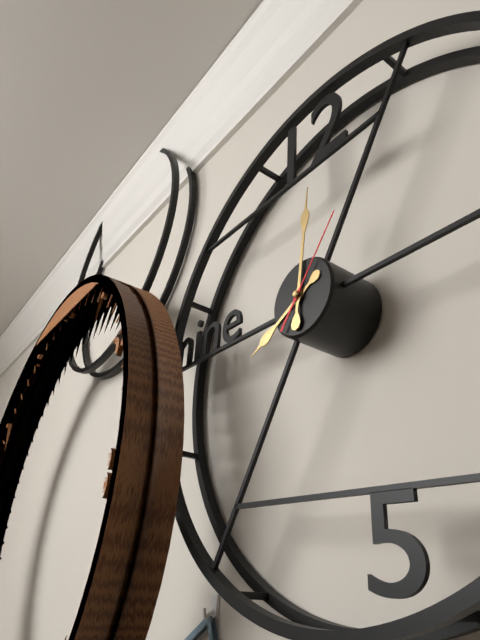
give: {"hour": 8, "minute": 1, "second": 6}
